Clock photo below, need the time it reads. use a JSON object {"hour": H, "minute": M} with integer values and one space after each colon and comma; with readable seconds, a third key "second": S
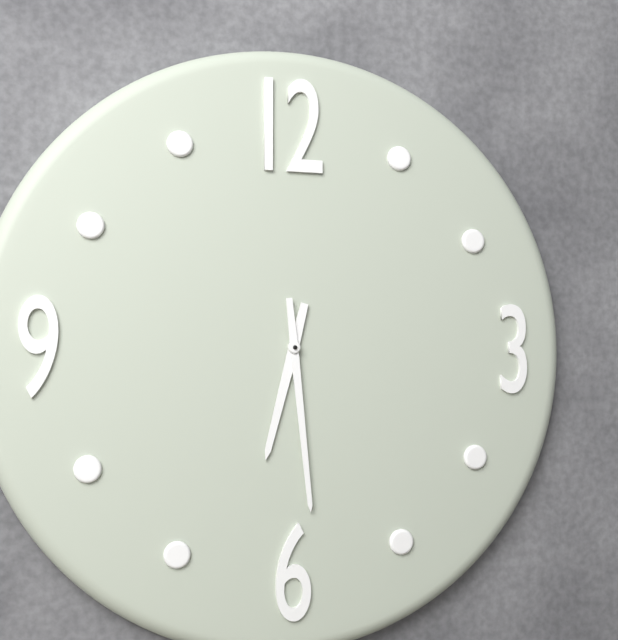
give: {"hour": 6, "minute": 29}
